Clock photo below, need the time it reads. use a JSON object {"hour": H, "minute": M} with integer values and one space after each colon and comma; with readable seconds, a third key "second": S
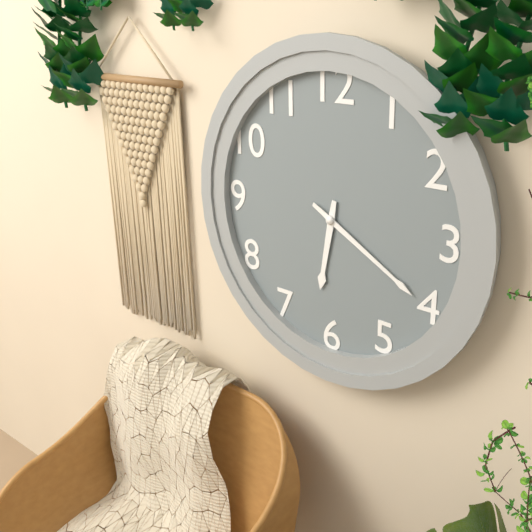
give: {"hour": 6, "minute": 20}
